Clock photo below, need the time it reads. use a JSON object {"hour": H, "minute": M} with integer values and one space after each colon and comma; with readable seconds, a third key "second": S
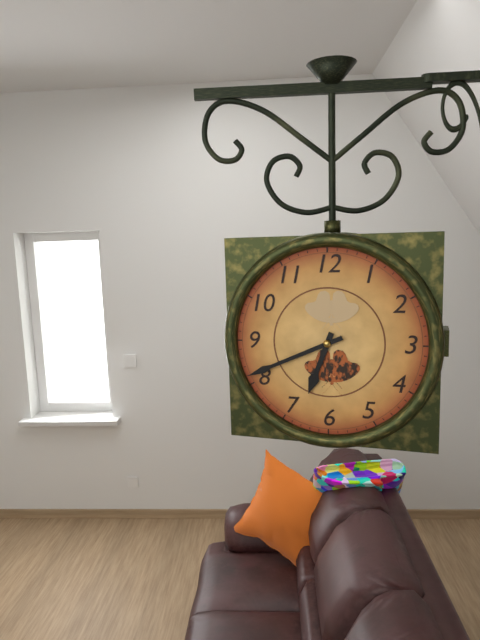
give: {"hour": 6, "minute": 41}
